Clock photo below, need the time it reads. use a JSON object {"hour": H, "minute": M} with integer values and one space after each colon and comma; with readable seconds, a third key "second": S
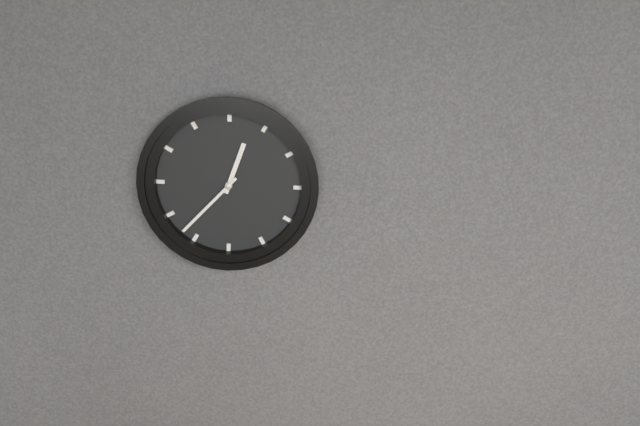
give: {"hour": 12, "minute": 37}
